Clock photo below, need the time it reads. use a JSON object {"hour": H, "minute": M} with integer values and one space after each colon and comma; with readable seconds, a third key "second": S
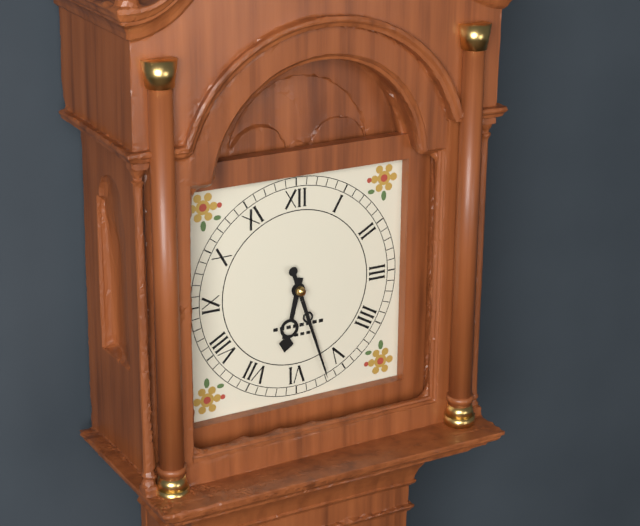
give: {"hour": 6, "minute": 27}
